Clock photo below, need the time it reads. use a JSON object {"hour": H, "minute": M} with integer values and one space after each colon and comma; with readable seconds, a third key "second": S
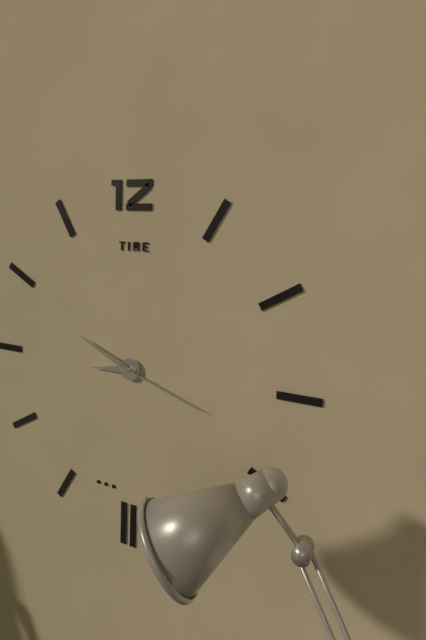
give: {"hour": 8, "minute": 49, "second": 18}
